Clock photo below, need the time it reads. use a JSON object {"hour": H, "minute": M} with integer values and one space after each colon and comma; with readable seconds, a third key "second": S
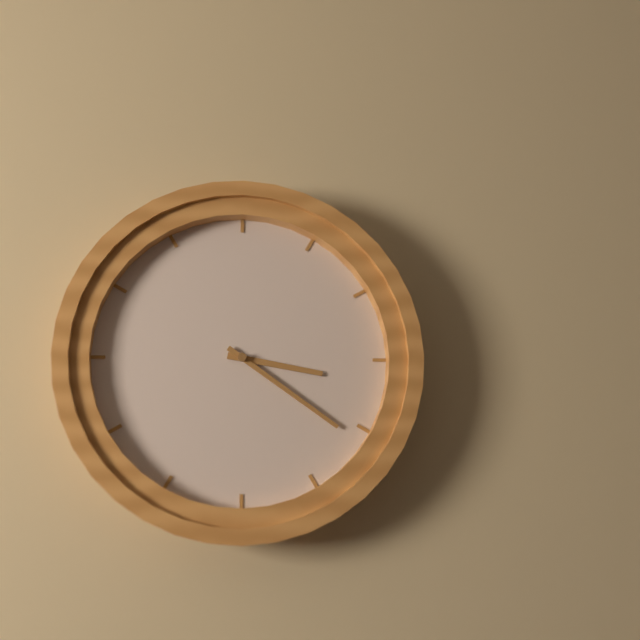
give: {"hour": 3, "minute": 21}
